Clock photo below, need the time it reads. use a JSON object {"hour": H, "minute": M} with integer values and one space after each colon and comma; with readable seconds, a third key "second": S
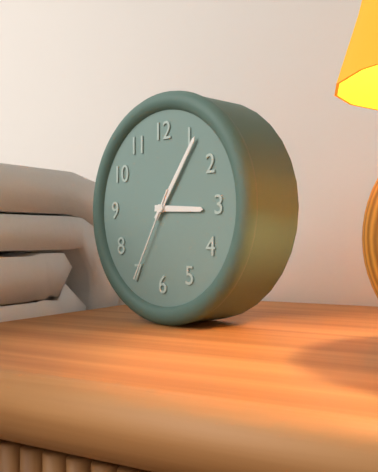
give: {"hour": 3, "minute": 6, "second": 35}
